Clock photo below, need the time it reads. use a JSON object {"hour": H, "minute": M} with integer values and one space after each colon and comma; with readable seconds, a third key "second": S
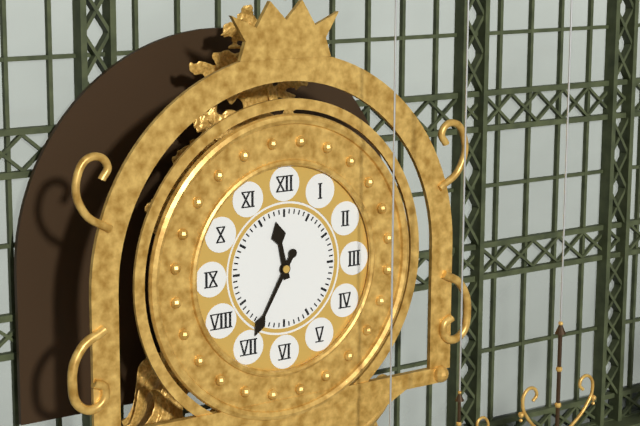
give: {"hour": 11, "minute": 35}
